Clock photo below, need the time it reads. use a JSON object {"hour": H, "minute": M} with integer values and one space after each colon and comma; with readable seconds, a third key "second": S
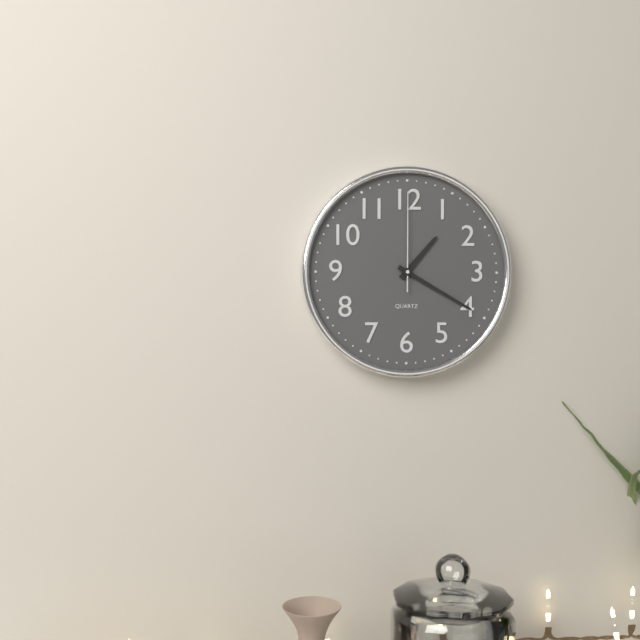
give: {"hour": 1, "minute": 20, "second": 0}
